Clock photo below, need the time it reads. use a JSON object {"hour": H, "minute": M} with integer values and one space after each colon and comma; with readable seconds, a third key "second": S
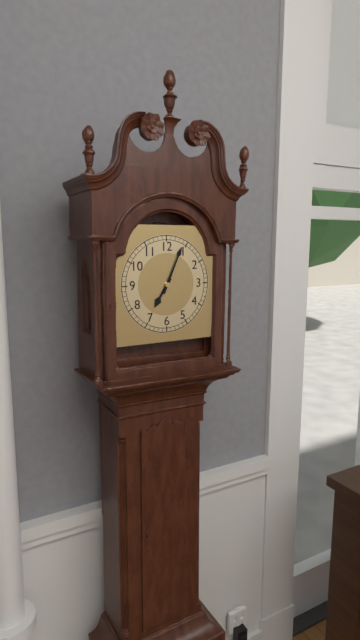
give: {"hour": 7, "minute": 4}
